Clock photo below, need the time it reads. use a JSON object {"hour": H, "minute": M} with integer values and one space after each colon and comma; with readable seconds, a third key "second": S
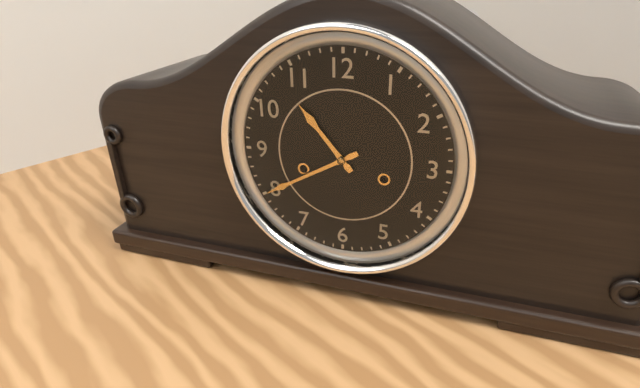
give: {"hour": 10, "minute": 40}
